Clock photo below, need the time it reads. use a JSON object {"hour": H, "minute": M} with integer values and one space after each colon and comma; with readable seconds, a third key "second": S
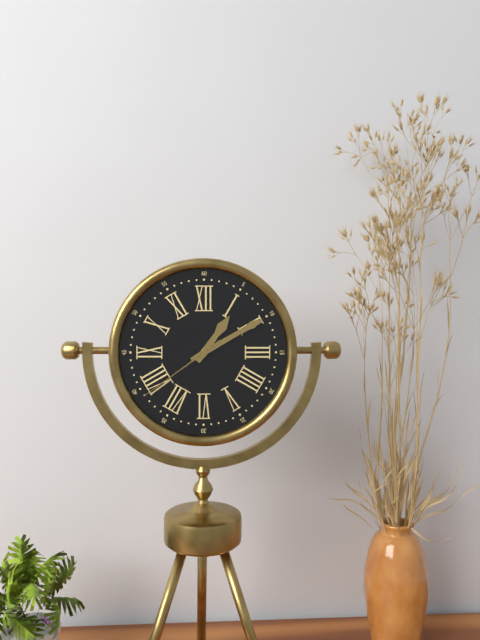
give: {"hour": 1, "minute": 10, "second": 39}
